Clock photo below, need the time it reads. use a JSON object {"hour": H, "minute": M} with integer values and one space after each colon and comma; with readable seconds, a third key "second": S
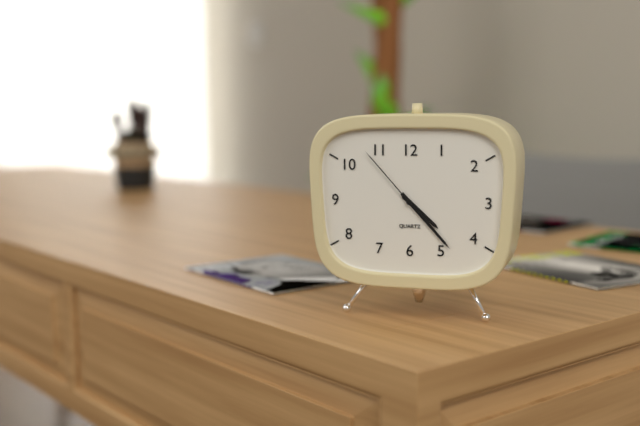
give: {"hour": 4, "minute": 23, "second": 53}
